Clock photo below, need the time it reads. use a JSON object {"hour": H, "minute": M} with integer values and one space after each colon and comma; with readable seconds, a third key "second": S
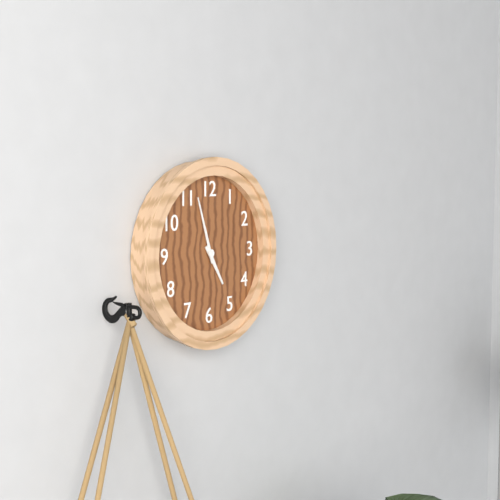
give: {"hour": 4, "minute": 57}
